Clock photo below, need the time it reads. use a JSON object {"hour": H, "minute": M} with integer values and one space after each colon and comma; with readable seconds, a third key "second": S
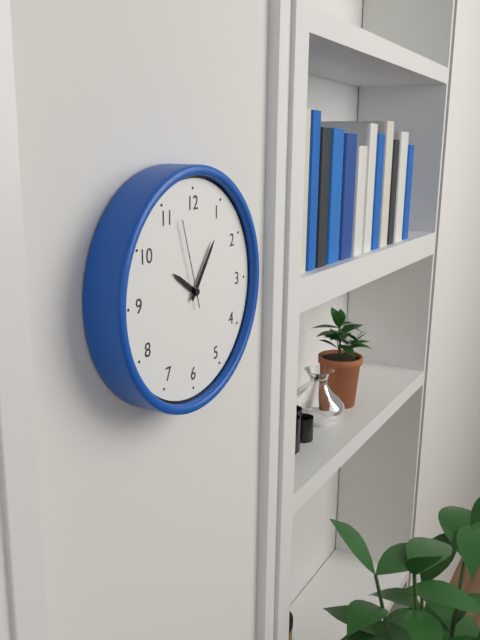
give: {"hour": 10, "minute": 6, "second": 57}
